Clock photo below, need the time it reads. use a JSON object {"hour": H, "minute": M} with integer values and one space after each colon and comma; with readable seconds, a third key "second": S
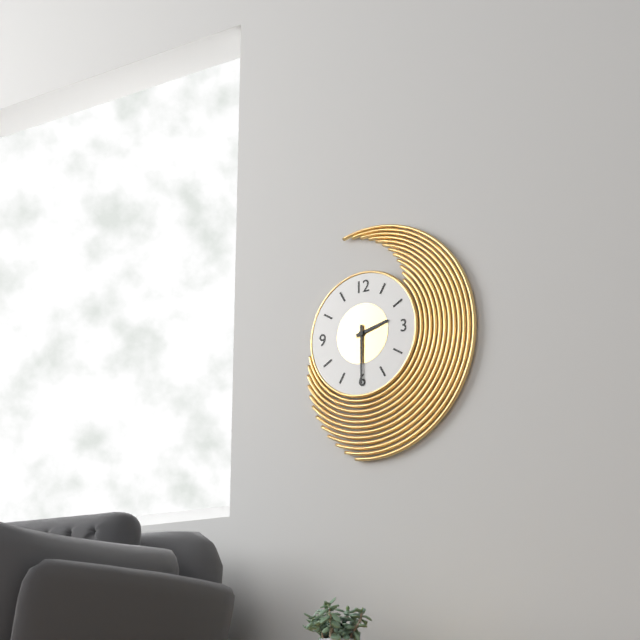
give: {"hour": 2, "minute": 30}
